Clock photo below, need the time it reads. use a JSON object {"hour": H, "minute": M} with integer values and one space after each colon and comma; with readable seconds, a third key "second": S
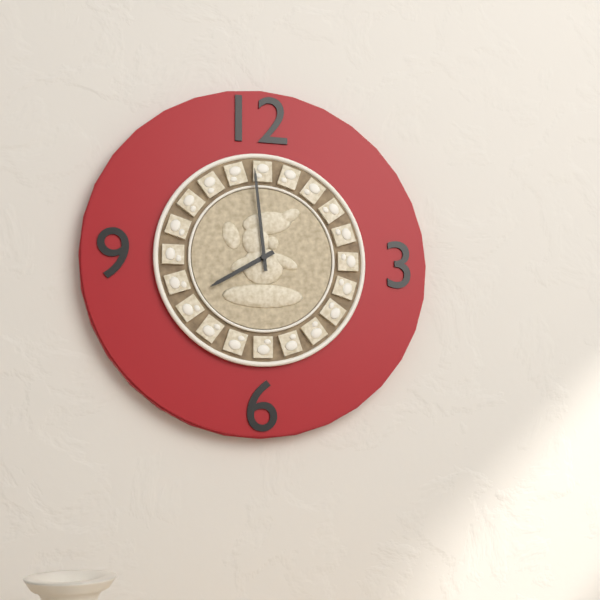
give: {"hour": 7, "minute": 59}
